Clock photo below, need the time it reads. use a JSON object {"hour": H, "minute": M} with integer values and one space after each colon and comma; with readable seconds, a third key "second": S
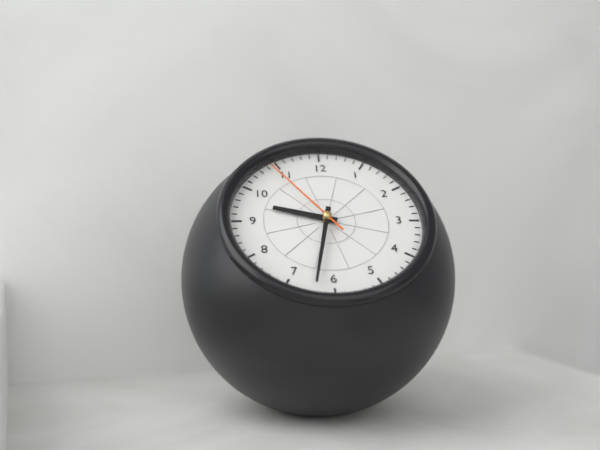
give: {"hour": 9, "minute": 32, "second": 54}
